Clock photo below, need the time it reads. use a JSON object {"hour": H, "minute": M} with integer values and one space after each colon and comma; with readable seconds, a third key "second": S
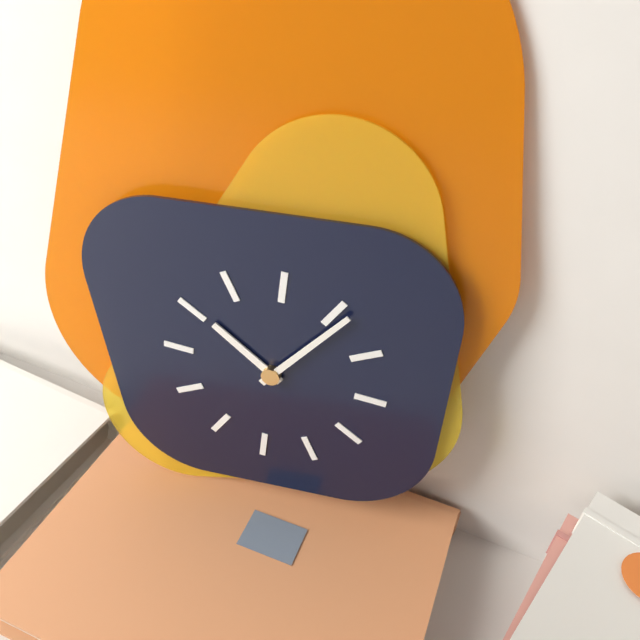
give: {"hour": 10, "minute": 6}
